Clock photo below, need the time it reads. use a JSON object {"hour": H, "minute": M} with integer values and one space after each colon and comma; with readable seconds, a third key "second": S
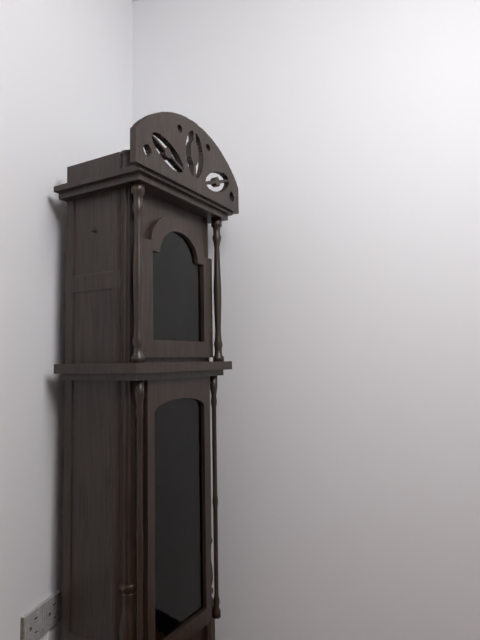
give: {"hour": 6, "minute": 4}
